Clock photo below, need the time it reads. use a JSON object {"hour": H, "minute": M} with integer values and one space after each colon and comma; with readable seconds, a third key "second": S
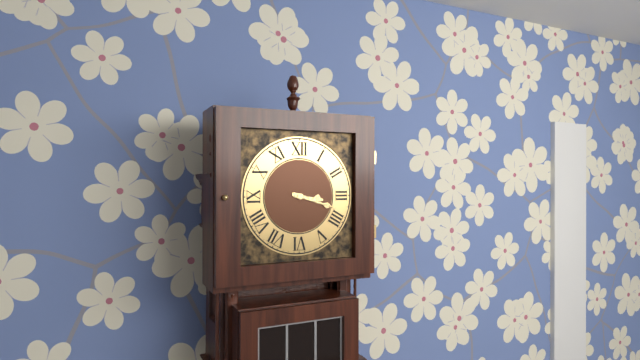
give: {"hour": 3, "minute": 18}
